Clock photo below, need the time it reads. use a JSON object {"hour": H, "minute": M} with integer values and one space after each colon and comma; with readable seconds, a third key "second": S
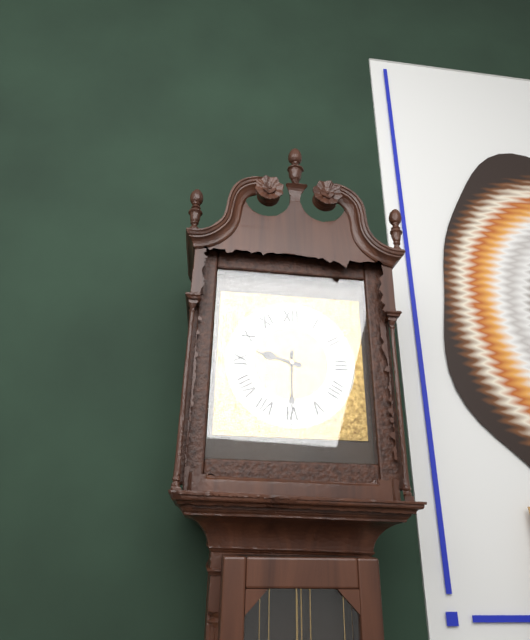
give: {"hour": 9, "minute": 30}
